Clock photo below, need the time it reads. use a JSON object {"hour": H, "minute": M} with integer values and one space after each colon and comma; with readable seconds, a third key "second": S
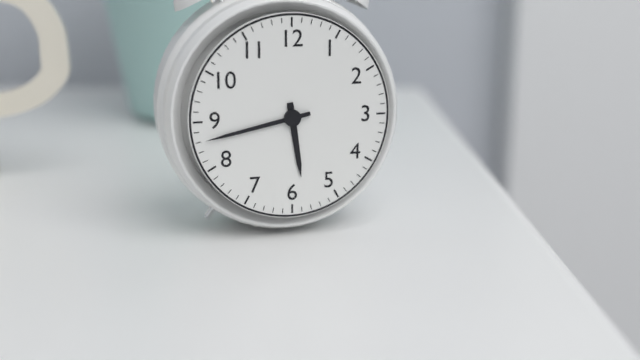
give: {"hour": 5, "minute": 43}
